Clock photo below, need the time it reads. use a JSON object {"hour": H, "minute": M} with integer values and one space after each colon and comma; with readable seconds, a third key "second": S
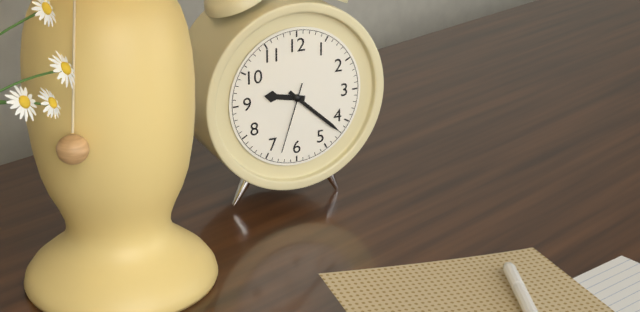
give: {"hour": 9, "minute": 22, "second": 33}
